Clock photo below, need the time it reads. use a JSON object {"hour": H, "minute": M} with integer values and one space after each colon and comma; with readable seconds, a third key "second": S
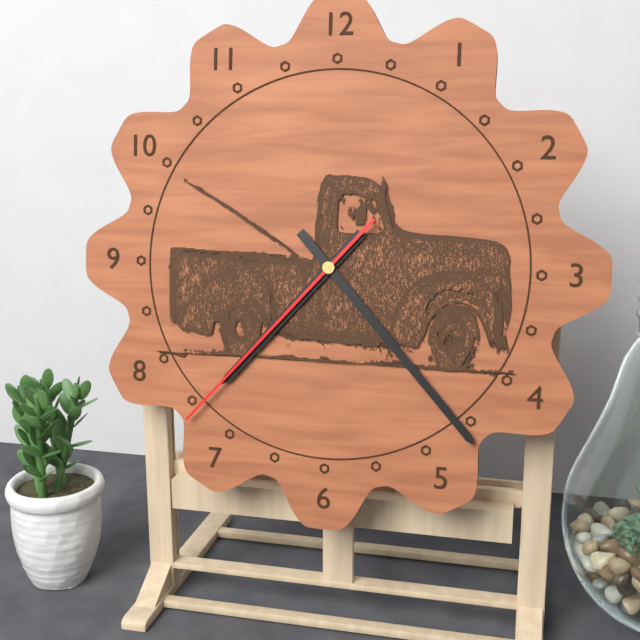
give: {"hour": 7, "minute": 23, "second": 37}
